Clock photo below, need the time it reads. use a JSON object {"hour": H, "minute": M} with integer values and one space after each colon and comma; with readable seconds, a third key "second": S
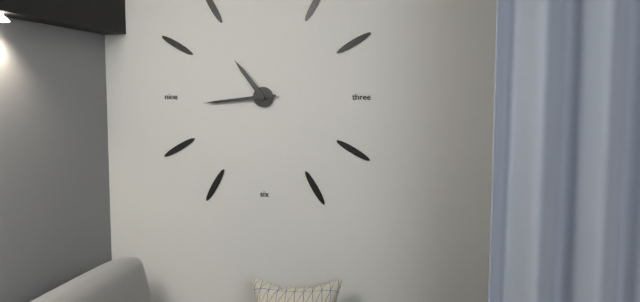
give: {"hour": 10, "minute": 44}
